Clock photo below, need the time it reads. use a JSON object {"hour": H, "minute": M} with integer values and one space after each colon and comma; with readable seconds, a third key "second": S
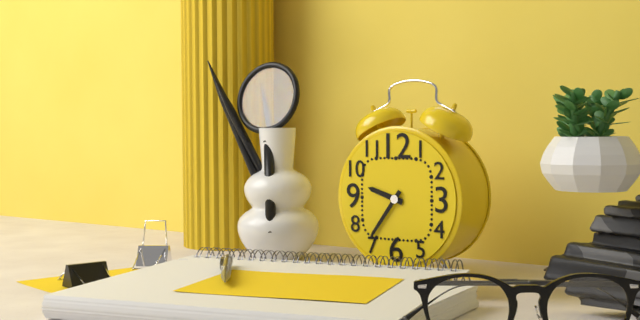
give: {"hour": 9, "minute": 36}
